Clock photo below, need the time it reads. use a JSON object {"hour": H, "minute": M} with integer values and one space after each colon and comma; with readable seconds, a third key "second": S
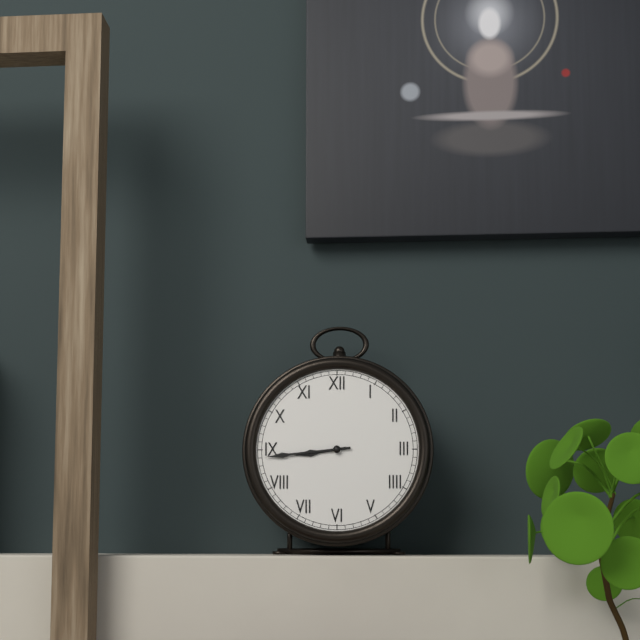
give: {"hour": 8, "minute": 44}
